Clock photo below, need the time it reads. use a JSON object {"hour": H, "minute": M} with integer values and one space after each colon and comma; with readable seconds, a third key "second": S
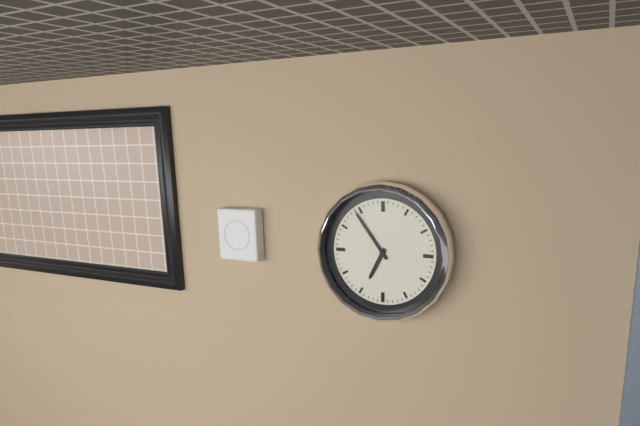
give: {"hour": 6, "minute": 54}
